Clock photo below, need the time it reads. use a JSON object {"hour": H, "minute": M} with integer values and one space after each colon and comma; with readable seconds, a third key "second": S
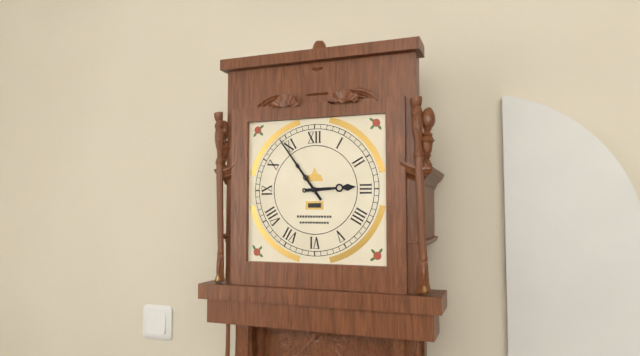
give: {"hour": 2, "minute": 54}
